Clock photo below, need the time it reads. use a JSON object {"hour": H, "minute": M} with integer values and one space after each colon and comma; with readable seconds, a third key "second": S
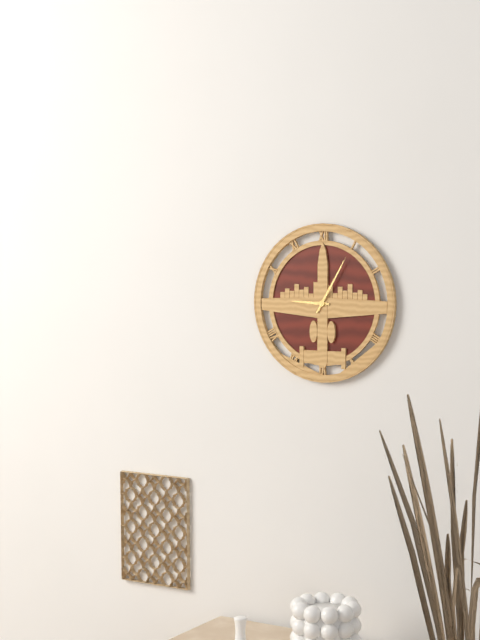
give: {"hour": 9, "minute": 5}
